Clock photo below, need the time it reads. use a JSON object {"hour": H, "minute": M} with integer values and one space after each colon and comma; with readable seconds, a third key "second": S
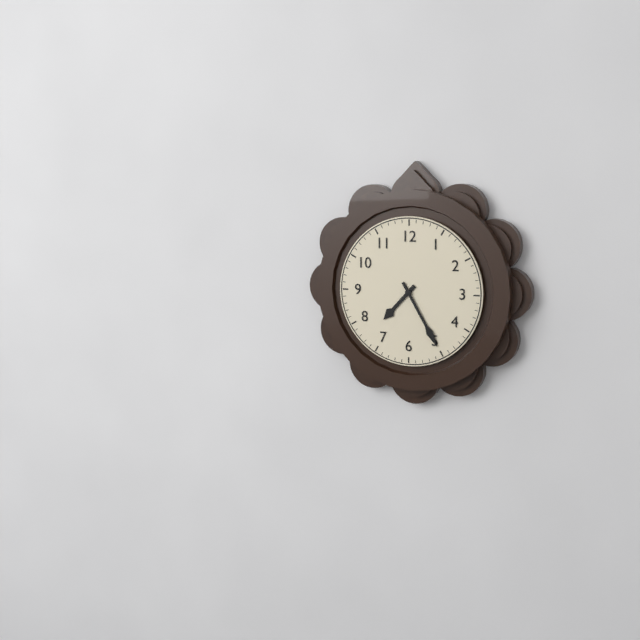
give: {"hour": 7, "minute": 25}
